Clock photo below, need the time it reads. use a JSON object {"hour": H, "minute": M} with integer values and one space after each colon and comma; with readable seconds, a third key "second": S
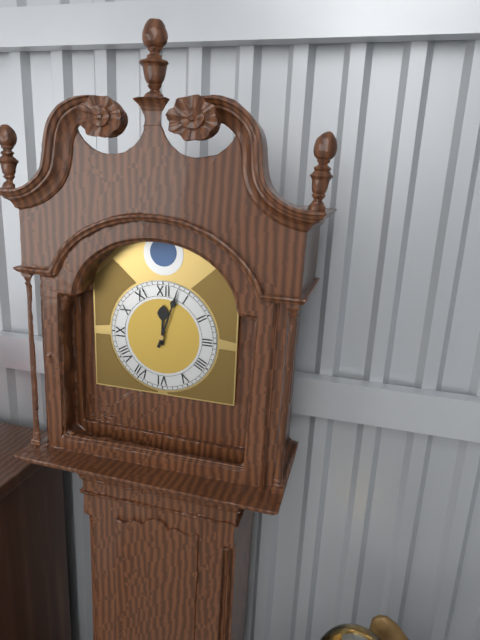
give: {"hour": 12, "minute": 3}
